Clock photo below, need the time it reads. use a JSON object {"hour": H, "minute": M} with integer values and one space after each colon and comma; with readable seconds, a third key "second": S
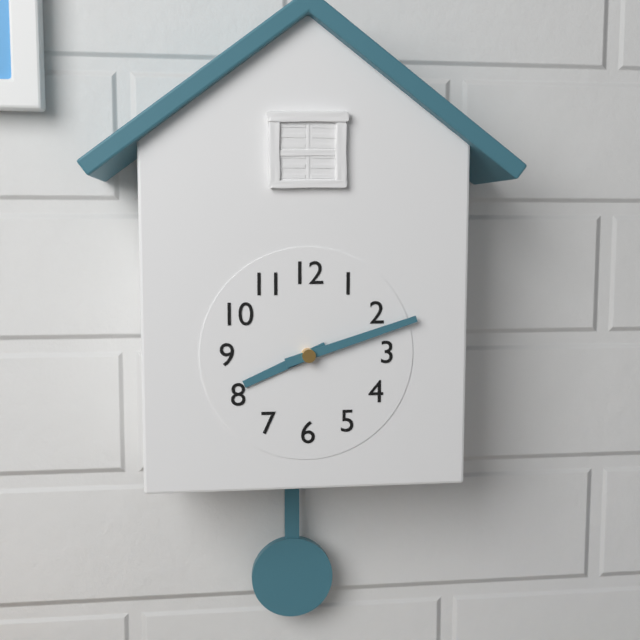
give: {"hour": 8, "minute": 12}
